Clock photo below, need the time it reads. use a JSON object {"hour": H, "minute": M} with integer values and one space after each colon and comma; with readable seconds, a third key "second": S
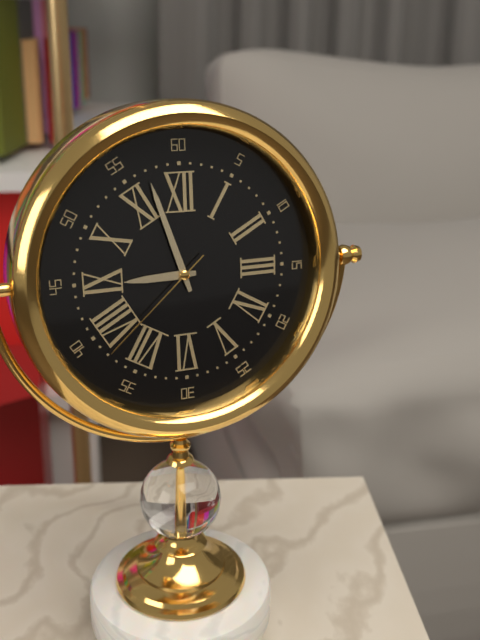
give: {"hour": 8, "minute": 57, "second": 38}
